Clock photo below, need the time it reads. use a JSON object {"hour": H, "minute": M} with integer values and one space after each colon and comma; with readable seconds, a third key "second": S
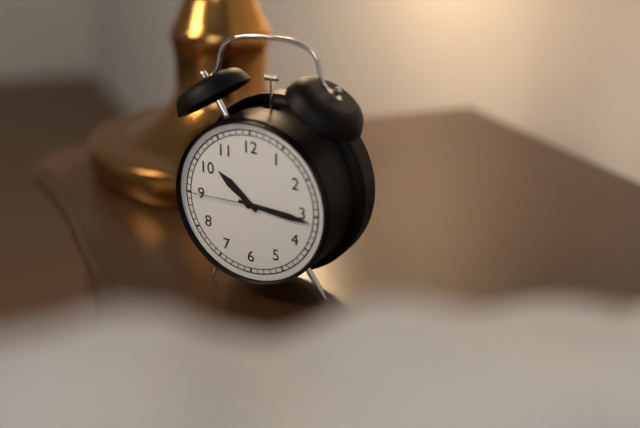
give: {"hour": 10, "minute": 16, "second": 45}
